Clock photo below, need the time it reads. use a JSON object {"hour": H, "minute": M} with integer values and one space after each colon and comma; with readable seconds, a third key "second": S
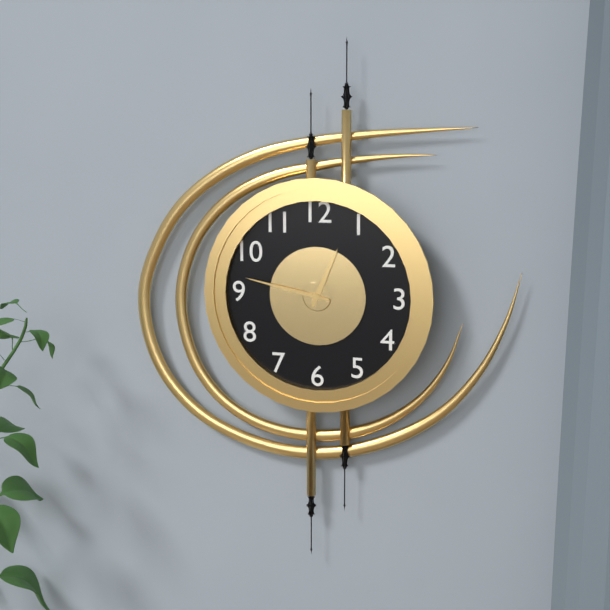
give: {"hour": 12, "minute": 47}
